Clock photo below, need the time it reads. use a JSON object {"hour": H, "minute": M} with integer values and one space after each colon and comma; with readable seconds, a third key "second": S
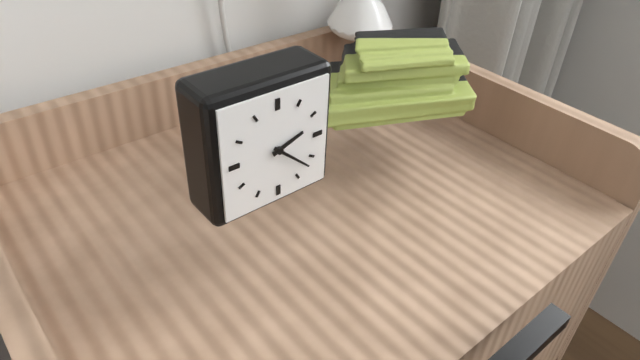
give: {"hour": 2, "minute": 22}
